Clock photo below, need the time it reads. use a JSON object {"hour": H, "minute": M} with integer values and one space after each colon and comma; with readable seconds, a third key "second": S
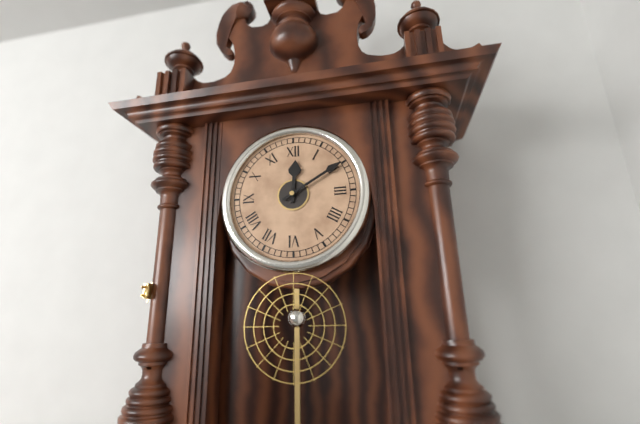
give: {"hour": 12, "minute": 10}
